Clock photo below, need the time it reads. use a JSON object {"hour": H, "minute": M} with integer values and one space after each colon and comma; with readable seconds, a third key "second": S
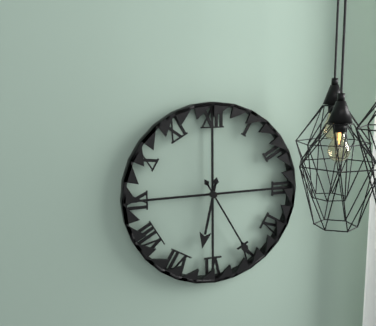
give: {"hour": 6, "minute": 25}
